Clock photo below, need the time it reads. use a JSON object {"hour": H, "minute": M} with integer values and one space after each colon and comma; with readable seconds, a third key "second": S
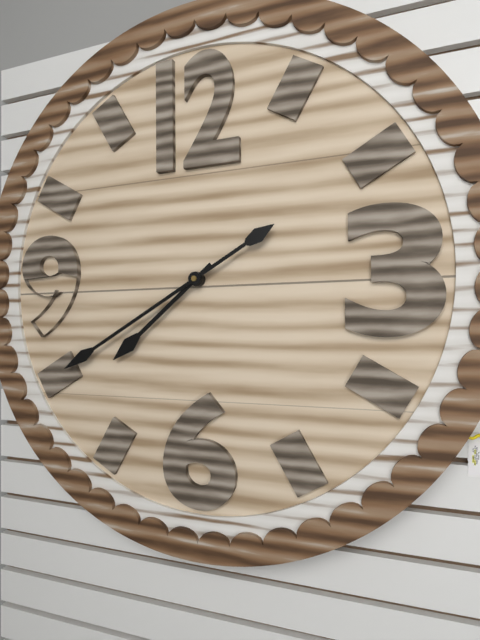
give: {"hour": 7, "minute": 40}
